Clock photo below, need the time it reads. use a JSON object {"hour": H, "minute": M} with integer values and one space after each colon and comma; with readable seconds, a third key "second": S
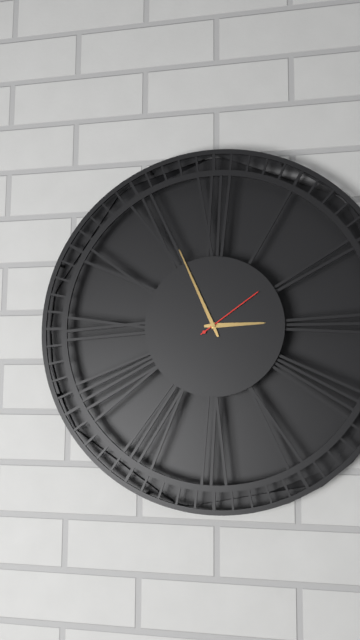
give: {"hour": 2, "minute": 56, "second": 9}
